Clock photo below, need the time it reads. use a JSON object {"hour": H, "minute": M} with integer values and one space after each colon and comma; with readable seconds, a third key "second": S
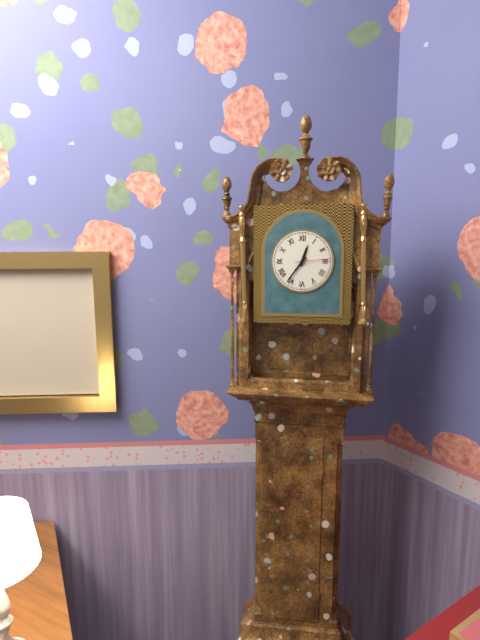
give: {"hour": 12, "minute": 36}
